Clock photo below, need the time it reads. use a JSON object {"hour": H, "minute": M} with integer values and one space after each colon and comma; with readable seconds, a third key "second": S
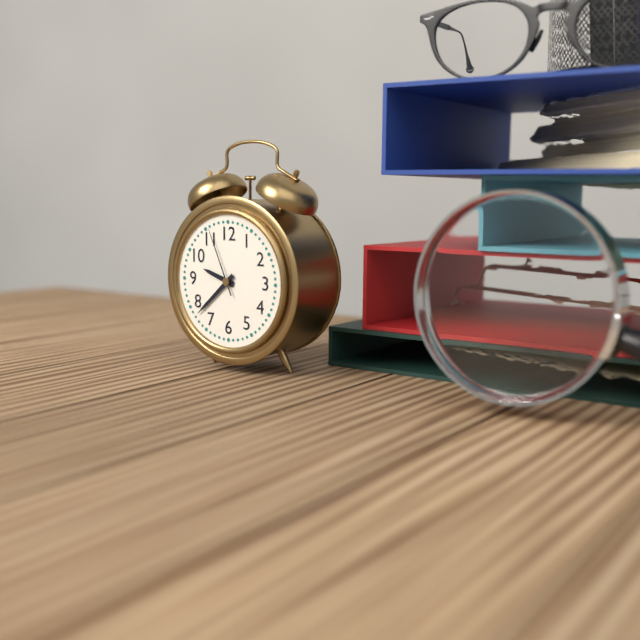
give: {"hour": 9, "minute": 38, "second": 56}
